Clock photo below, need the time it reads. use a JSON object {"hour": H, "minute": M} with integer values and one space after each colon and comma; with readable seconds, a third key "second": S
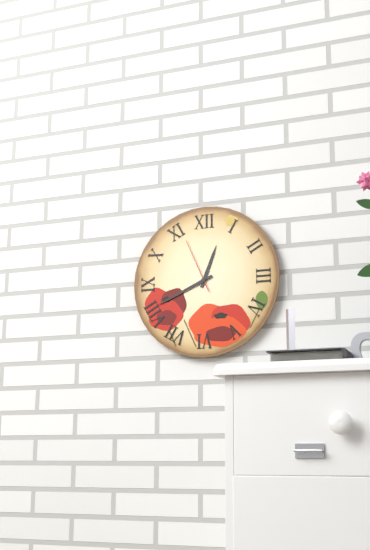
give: {"hour": 12, "minute": 41, "second": 56}
